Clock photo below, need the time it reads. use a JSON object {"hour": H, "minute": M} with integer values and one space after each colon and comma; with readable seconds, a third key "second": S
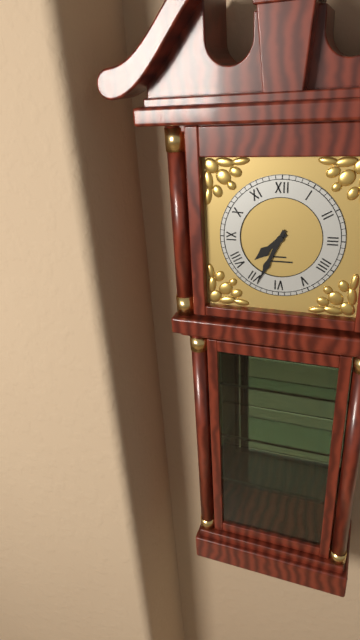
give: {"hour": 7, "minute": 34}
